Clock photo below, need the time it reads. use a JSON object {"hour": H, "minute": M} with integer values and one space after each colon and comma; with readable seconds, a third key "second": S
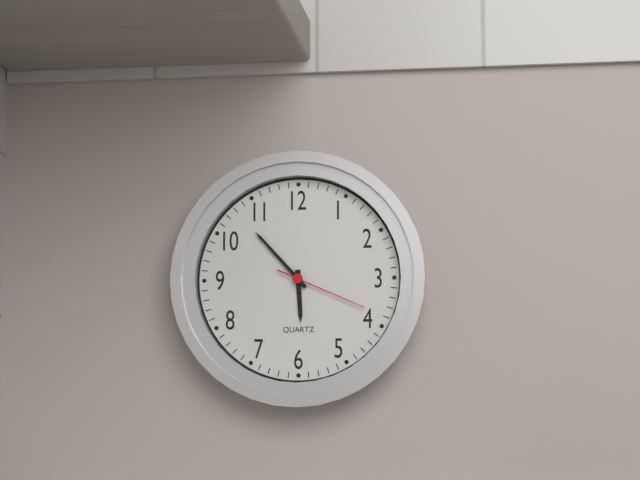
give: {"hour": 5, "minute": 53, "second": 19}
